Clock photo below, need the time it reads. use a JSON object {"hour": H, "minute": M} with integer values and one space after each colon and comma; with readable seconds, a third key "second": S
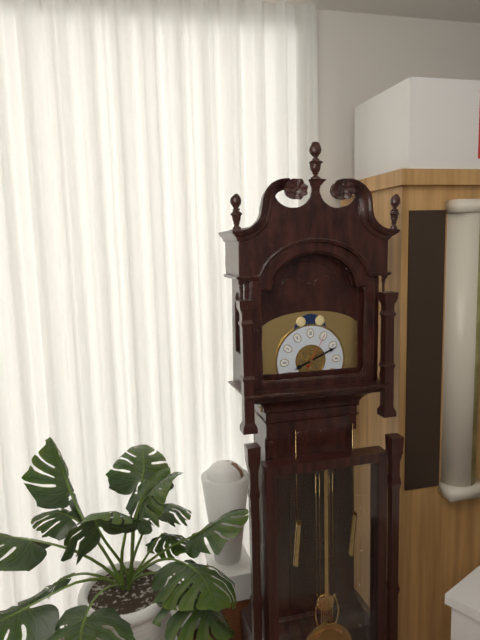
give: {"hour": 8, "minute": 11}
